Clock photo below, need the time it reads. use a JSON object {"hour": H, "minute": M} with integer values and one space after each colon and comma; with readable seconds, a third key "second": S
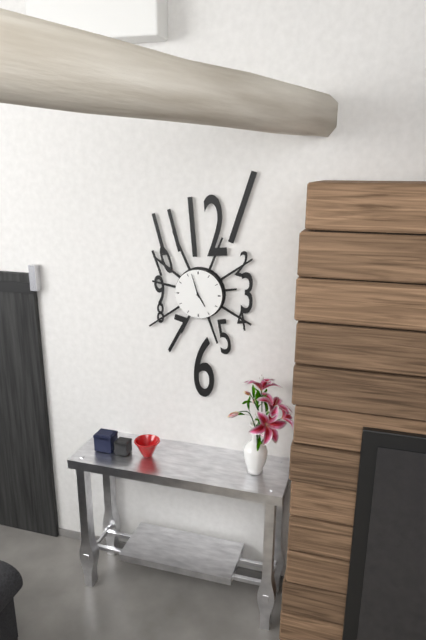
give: {"hour": 4, "minute": 57}
